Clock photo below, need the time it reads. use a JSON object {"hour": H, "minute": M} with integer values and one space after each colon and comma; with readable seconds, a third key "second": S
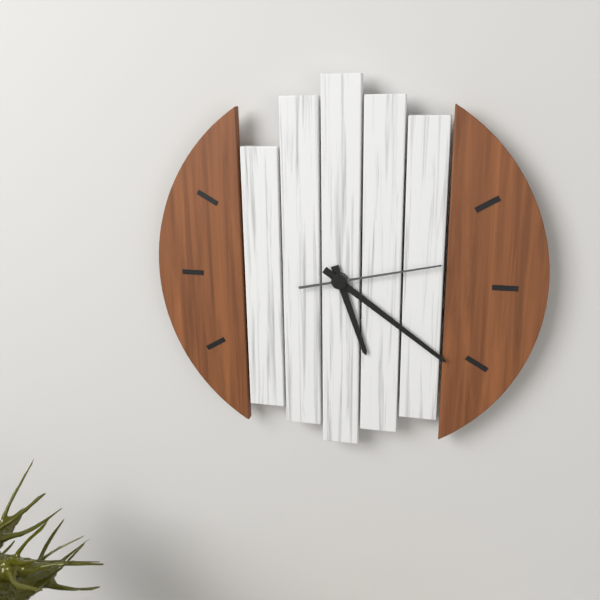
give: {"hour": 5, "minute": 21, "second": 13}
